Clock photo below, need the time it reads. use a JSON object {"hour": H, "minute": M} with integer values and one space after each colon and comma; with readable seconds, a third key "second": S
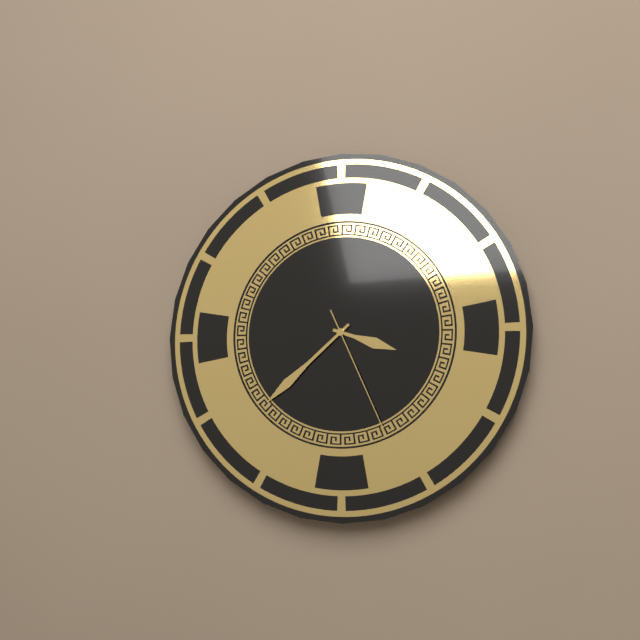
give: {"hour": 3, "minute": 38, "second": 26}
